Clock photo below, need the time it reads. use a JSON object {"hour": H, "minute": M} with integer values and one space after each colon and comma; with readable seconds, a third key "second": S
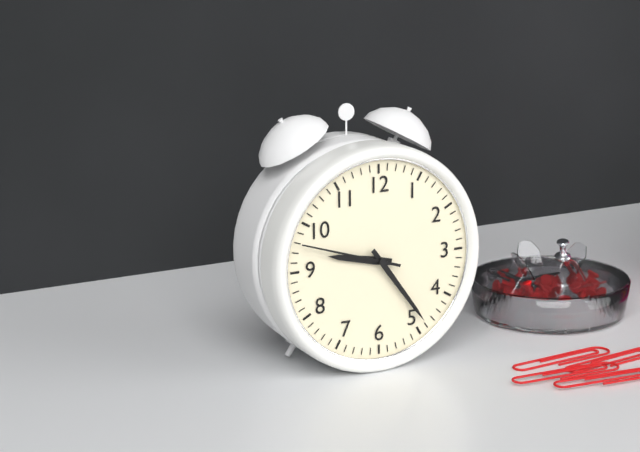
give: {"hour": 9, "minute": 24, "second": 48}
